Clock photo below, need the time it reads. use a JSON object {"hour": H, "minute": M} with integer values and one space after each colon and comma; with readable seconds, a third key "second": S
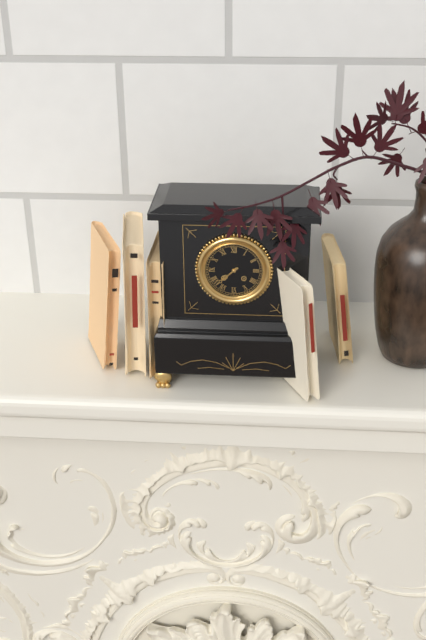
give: {"hour": 7, "minute": 38}
